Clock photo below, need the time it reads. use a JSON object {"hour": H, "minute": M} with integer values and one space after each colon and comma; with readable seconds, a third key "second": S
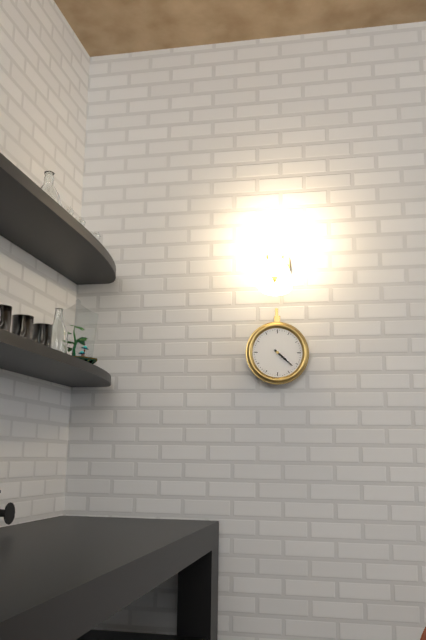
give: {"hour": 4, "minute": 22}
